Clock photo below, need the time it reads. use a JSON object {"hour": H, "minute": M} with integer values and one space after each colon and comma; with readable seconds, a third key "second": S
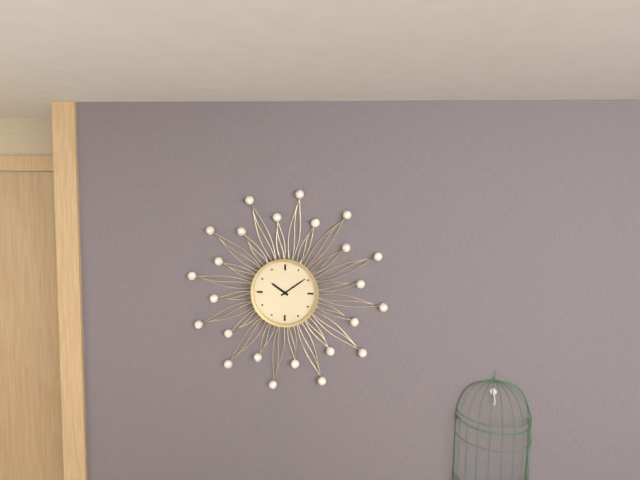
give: {"hour": 10, "minute": 9}
